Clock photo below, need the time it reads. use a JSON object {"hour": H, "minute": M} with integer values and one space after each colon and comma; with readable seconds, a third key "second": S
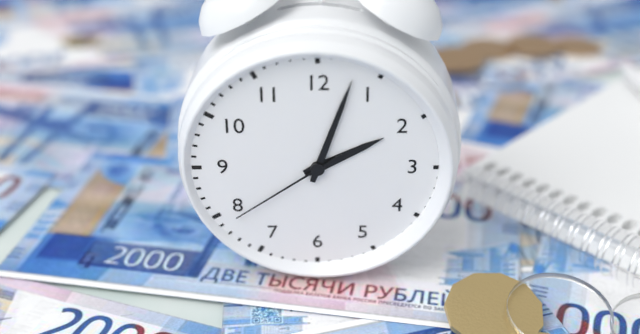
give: {"hour": 2, "minute": 3, "second": 39}
